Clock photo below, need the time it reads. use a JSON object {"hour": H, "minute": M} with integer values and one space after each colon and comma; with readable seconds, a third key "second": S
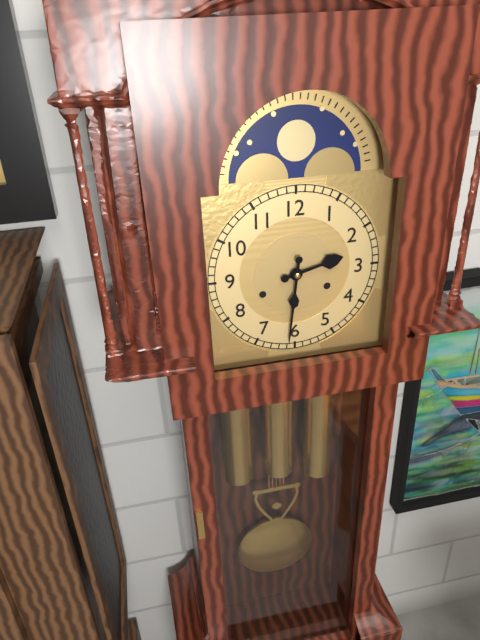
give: {"hour": 2, "minute": 31}
